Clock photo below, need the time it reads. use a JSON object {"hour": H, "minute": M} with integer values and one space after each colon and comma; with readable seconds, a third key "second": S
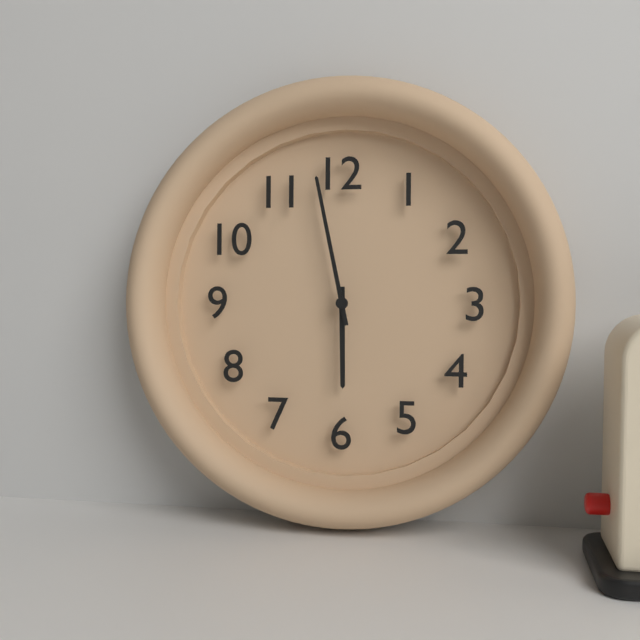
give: {"hour": 5, "minute": 58}
